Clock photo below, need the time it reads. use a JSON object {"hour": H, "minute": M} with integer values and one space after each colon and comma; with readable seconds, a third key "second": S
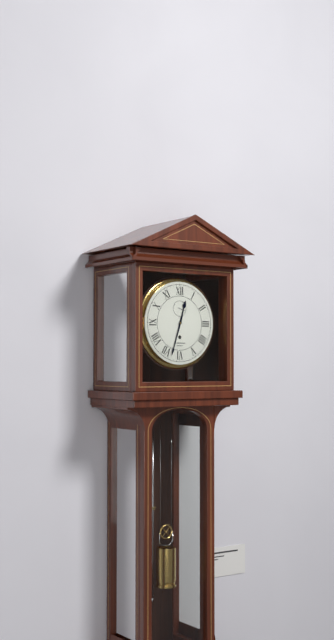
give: {"hour": 12, "minute": 33}
